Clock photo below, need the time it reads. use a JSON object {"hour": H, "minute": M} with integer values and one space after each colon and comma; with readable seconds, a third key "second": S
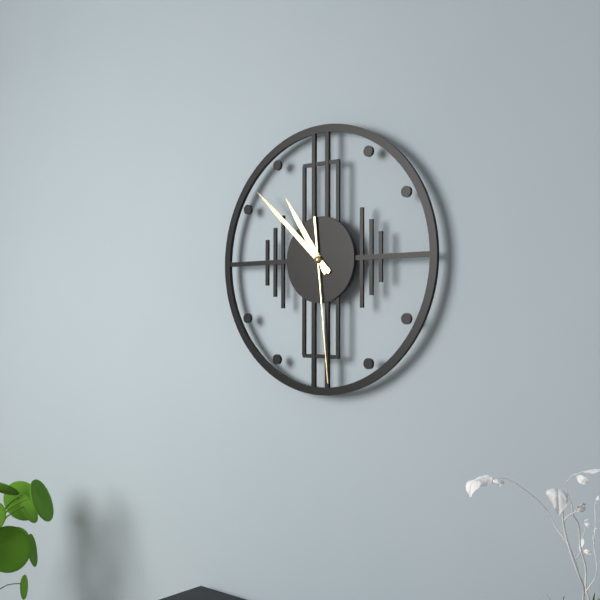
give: {"hour": 10, "minute": 52, "second": 29}
